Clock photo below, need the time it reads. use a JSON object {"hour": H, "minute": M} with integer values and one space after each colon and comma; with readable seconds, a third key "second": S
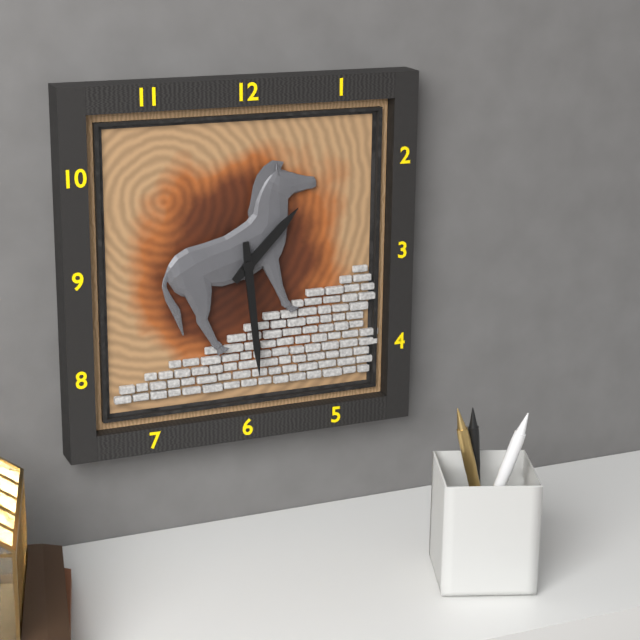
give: {"hour": 1, "minute": 29}
